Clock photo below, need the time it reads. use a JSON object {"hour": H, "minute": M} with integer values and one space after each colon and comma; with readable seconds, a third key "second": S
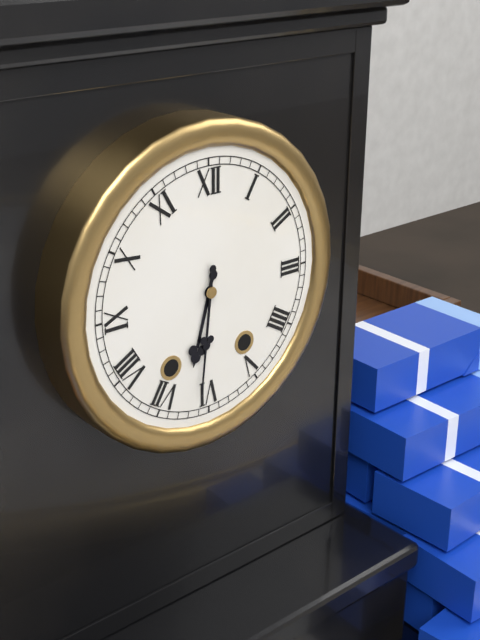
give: {"hour": 6, "minute": 31}
